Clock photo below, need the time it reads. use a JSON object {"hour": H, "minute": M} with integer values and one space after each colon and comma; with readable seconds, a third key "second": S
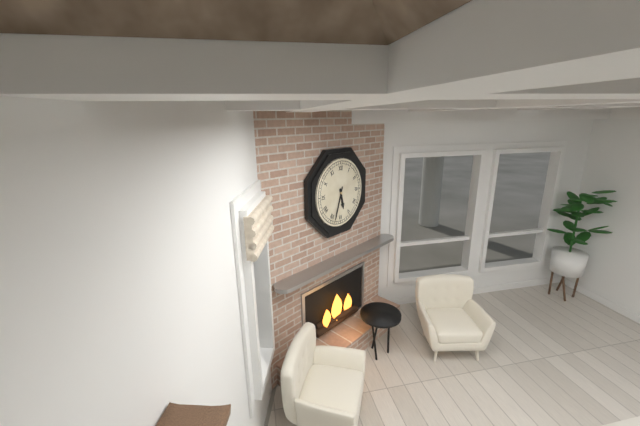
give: {"hour": 5, "minute": 33}
